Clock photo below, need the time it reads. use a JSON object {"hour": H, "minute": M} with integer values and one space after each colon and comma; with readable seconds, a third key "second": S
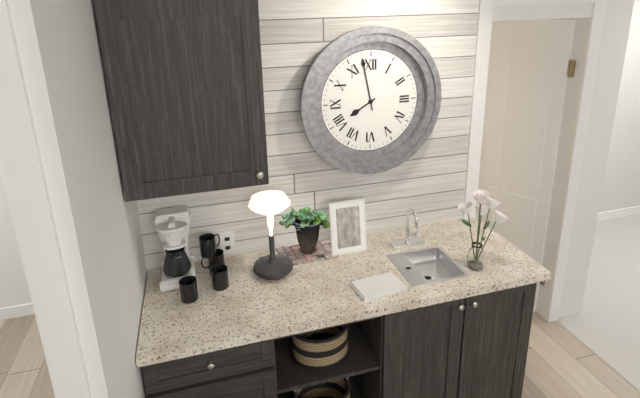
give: {"hour": 7, "minute": 58}
